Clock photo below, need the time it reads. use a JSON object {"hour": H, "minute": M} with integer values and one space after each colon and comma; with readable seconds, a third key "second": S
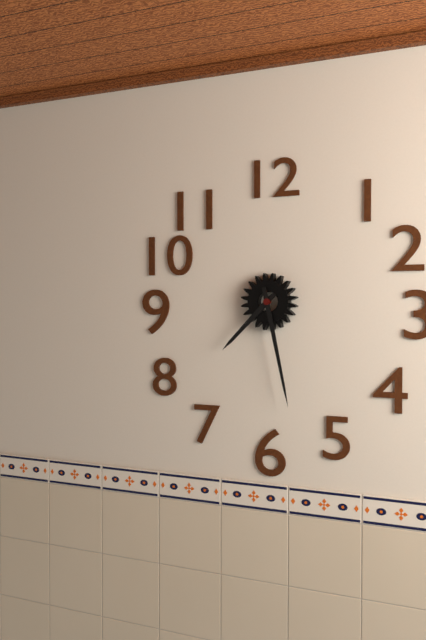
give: {"hour": 7, "minute": 28}
